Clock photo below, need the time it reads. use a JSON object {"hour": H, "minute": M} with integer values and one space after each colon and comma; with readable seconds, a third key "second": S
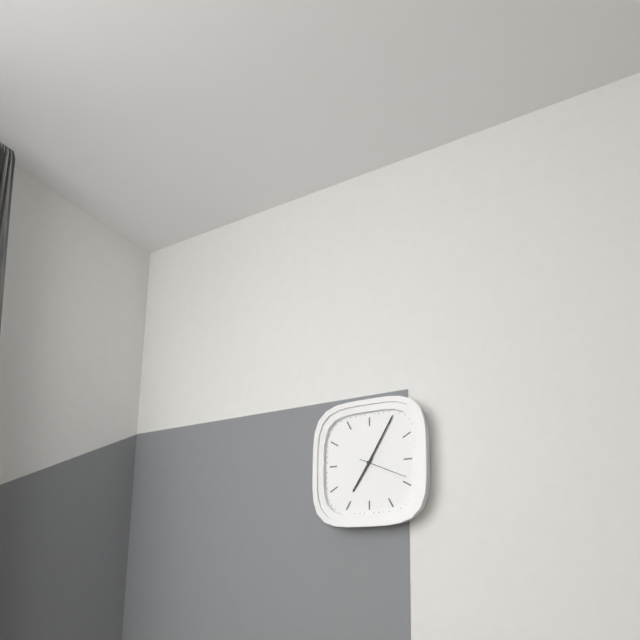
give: {"hour": 7, "minute": 5, "second": 19}
